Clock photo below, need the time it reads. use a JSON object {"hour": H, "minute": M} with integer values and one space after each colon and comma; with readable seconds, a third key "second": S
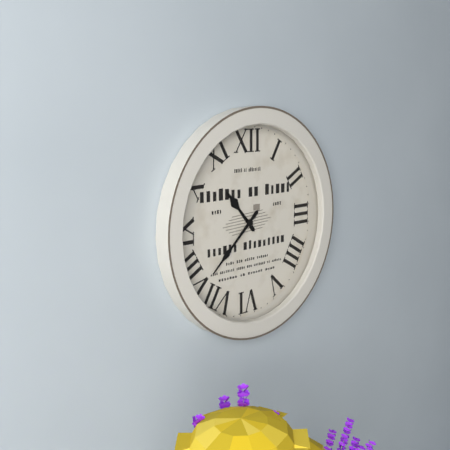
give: {"hour": 10, "minute": 38}
